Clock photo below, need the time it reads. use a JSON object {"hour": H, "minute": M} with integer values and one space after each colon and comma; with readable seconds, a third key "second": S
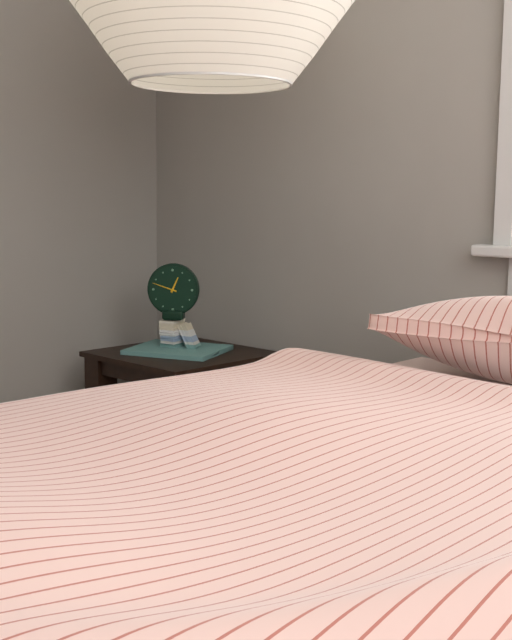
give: {"hour": 12, "minute": 48}
